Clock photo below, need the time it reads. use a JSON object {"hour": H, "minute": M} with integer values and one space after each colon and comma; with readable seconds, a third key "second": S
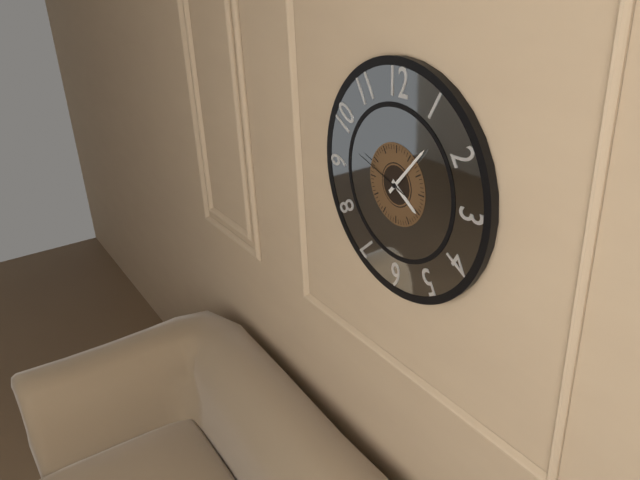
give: {"hour": 4, "minute": 7, "second": 48}
